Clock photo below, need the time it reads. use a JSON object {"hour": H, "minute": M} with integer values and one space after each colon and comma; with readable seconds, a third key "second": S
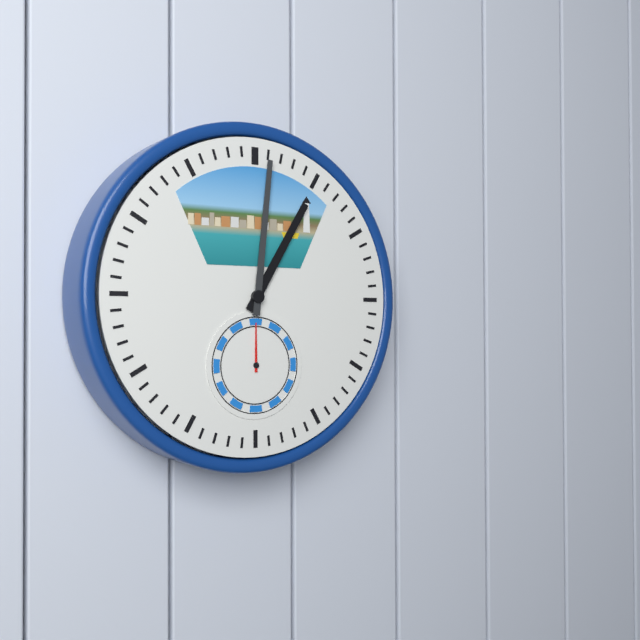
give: {"hour": 1, "minute": 1}
